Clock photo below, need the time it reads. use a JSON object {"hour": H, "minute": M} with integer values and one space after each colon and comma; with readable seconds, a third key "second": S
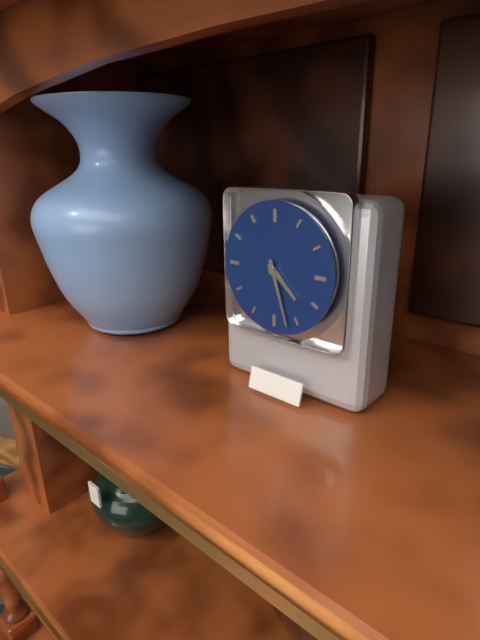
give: {"hour": 4, "minute": 27}
